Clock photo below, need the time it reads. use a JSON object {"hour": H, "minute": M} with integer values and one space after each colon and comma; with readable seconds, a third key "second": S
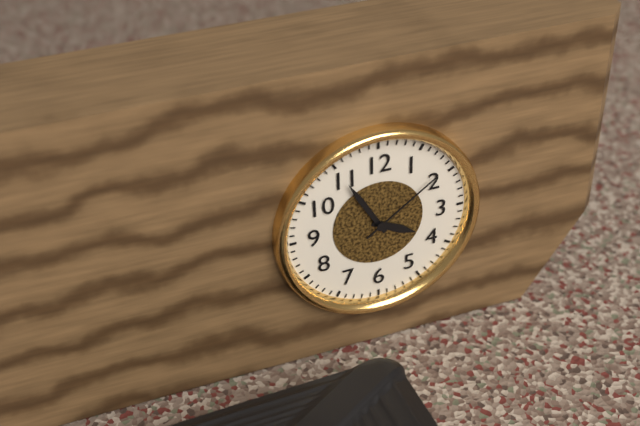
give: {"hour": 3, "minute": 55, "second": 9}
